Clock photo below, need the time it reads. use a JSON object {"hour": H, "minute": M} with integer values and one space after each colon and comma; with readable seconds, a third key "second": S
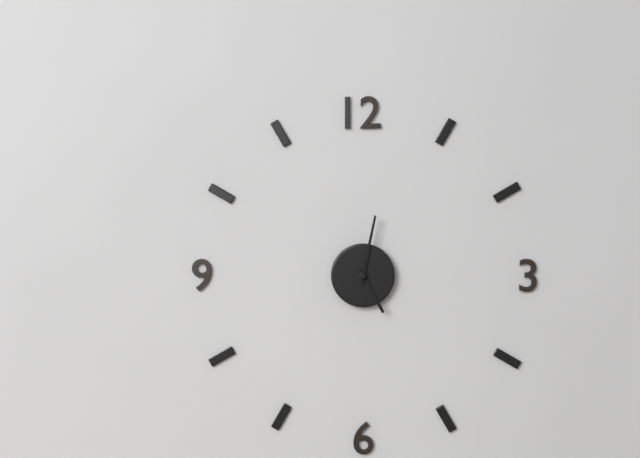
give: {"hour": 5, "minute": 2}
